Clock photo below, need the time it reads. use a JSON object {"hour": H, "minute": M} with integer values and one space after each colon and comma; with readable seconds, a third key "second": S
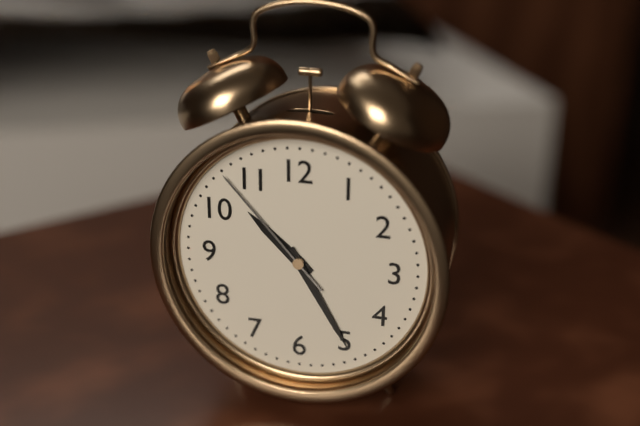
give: {"hour": 10, "minute": 25, "second": 53}
